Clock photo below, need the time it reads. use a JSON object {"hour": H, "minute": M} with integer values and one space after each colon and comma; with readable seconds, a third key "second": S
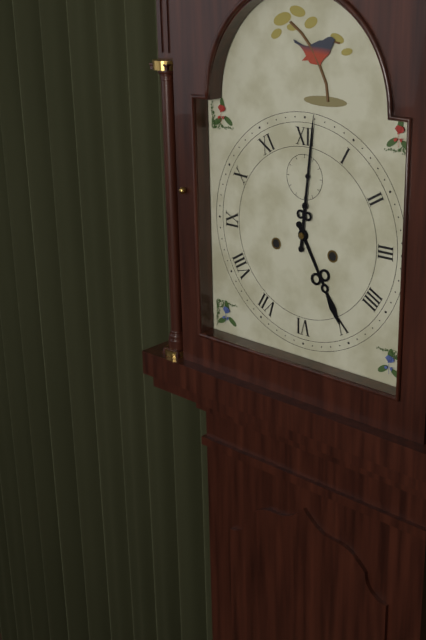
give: {"hour": 5, "minute": 1}
